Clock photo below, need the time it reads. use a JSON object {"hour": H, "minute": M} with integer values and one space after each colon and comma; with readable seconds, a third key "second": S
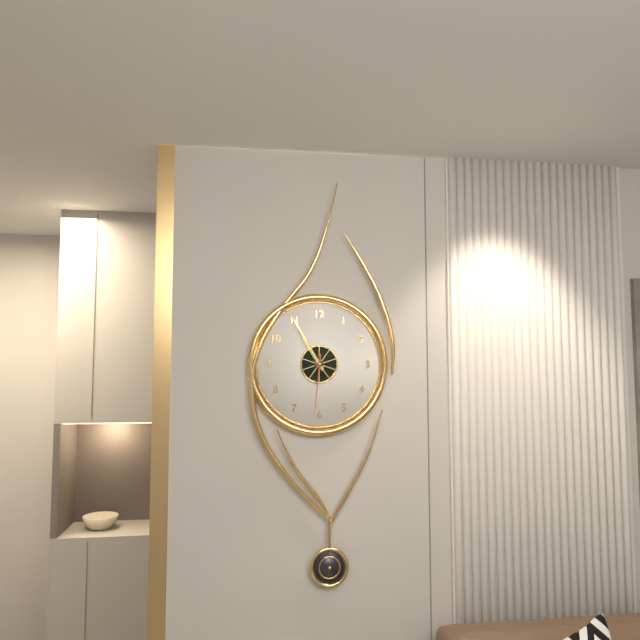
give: {"hour": 10, "minute": 55, "second": 31}
